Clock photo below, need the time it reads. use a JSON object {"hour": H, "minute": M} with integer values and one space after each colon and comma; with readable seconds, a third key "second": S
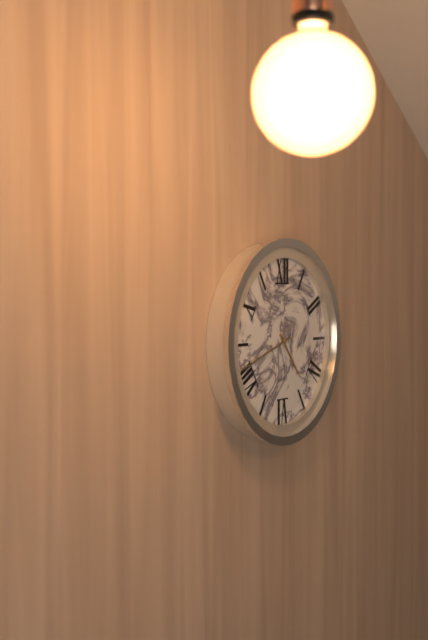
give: {"hour": 4, "minute": 42}
